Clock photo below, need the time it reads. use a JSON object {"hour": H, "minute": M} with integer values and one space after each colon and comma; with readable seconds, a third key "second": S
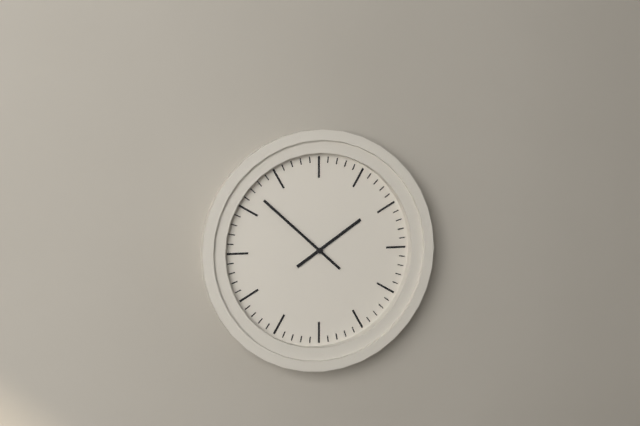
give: {"hour": 1, "minute": 52, "second": 52}
